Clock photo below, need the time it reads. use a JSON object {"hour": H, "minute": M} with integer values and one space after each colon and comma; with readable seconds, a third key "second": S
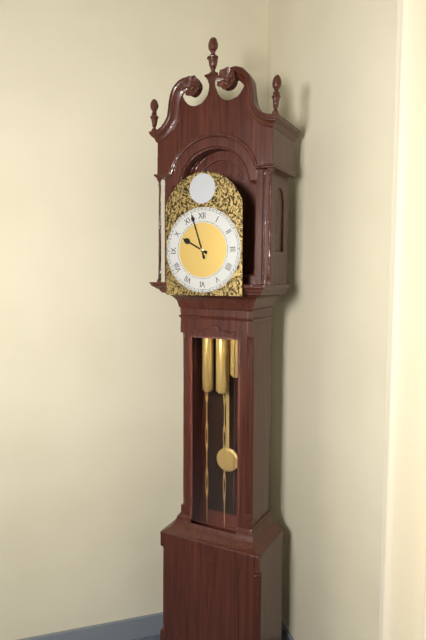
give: {"hour": 9, "minute": 57}
